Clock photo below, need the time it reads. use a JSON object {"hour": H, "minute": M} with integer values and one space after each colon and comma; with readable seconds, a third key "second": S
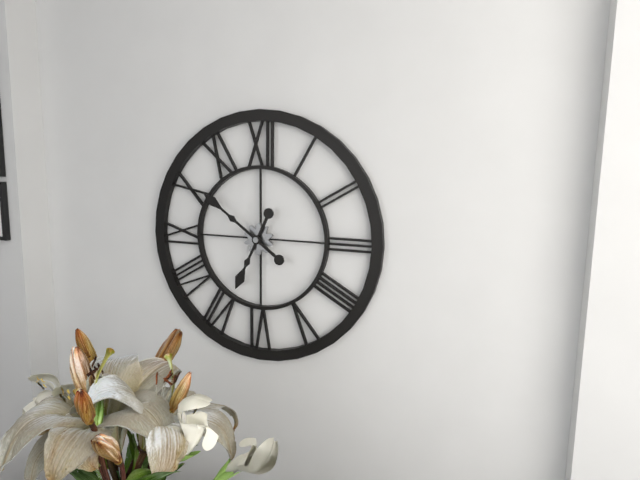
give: {"hour": 6, "minute": 51}
